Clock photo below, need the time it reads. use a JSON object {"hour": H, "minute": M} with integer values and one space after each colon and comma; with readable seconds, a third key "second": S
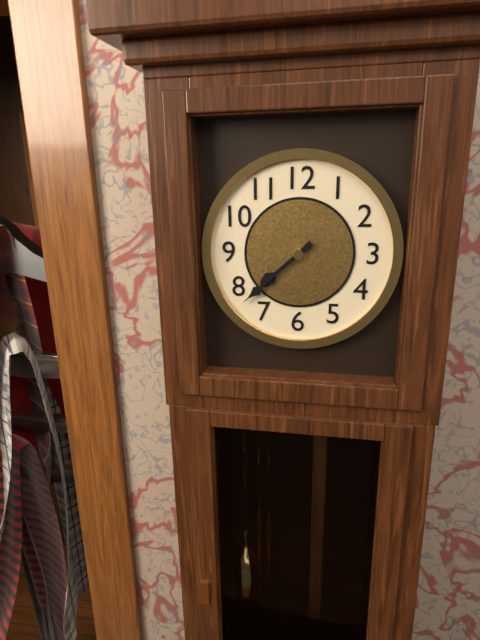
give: {"hour": 7, "minute": 38}
